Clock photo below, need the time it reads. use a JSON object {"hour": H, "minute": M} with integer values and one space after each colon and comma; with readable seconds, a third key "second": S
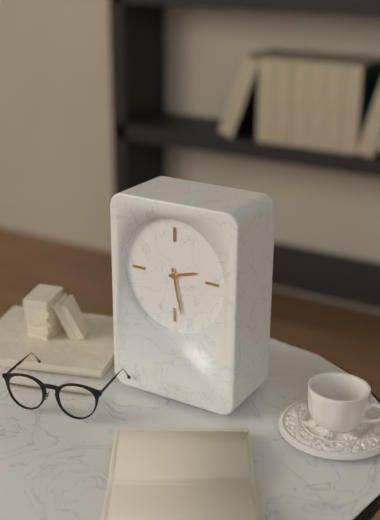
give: {"hour": 2, "minute": 28}
